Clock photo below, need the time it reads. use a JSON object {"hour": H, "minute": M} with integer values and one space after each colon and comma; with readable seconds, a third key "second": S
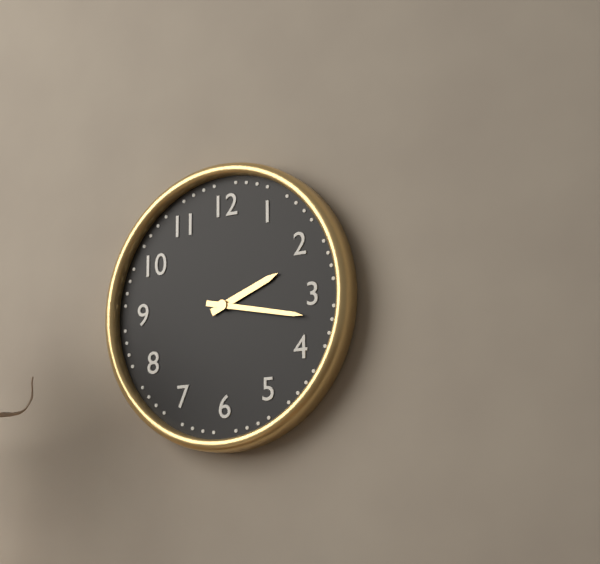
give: {"hour": 2, "minute": 17}
